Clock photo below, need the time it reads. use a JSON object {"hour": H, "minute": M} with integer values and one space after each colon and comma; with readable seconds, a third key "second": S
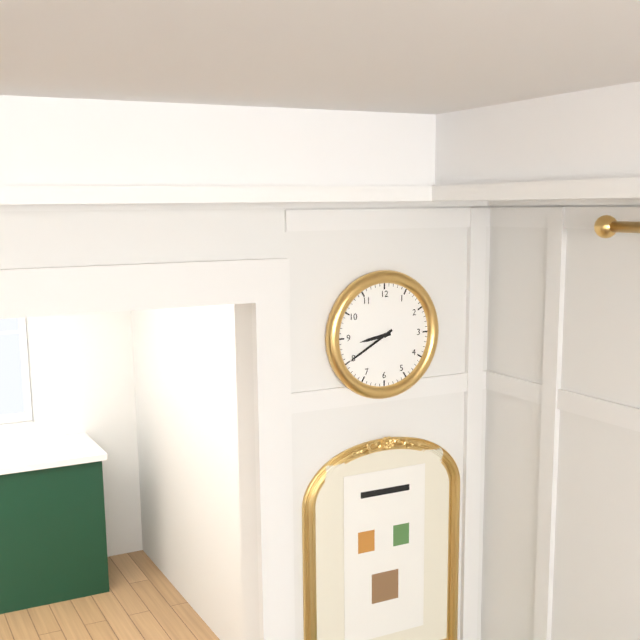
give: {"hour": 8, "minute": 40}
